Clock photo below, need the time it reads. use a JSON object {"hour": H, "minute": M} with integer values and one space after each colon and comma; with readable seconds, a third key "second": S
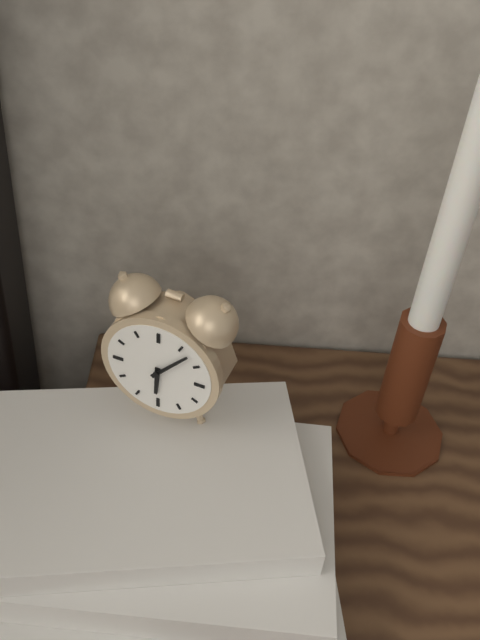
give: {"hour": 6, "minute": 7}
